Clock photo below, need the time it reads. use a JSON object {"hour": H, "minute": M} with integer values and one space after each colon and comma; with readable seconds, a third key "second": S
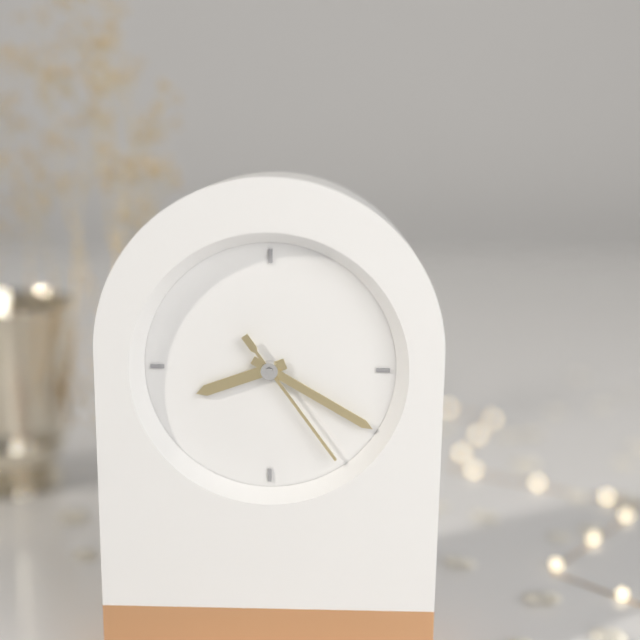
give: {"hour": 8, "minute": 20, "second": 24}
